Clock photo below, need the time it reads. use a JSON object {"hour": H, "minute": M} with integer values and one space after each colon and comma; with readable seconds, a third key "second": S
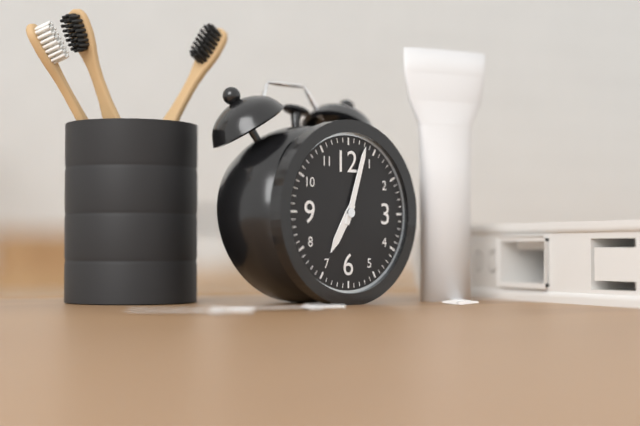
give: {"hour": 7, "minute": 3}
